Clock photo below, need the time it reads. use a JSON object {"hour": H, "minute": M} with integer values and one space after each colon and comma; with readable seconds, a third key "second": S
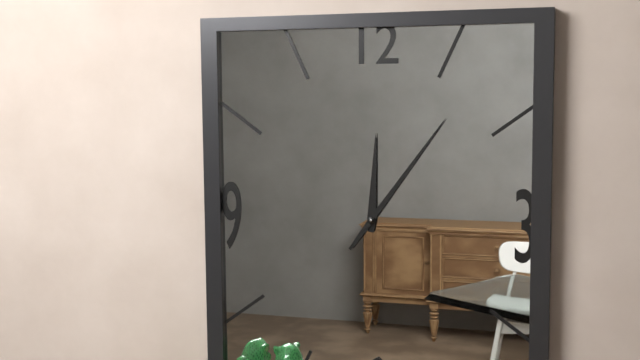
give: {"hour": 12, "minute": 6}
